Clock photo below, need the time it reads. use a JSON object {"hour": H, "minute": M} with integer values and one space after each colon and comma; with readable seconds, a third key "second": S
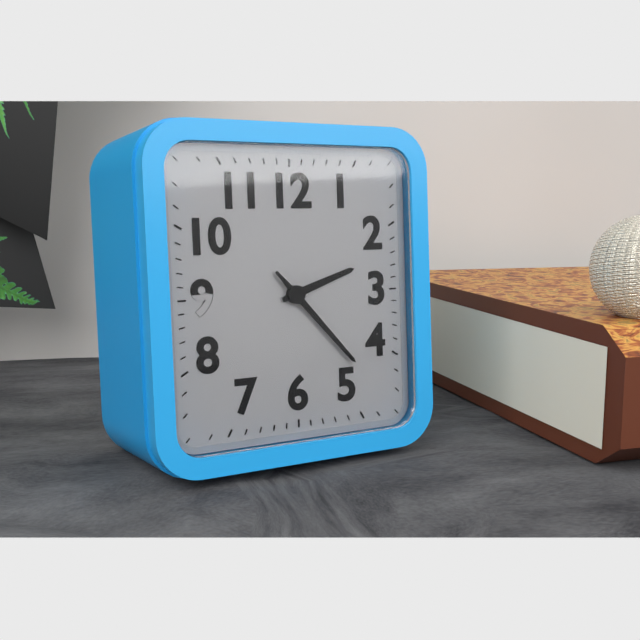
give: {"hour": 2, "minute": 23}
